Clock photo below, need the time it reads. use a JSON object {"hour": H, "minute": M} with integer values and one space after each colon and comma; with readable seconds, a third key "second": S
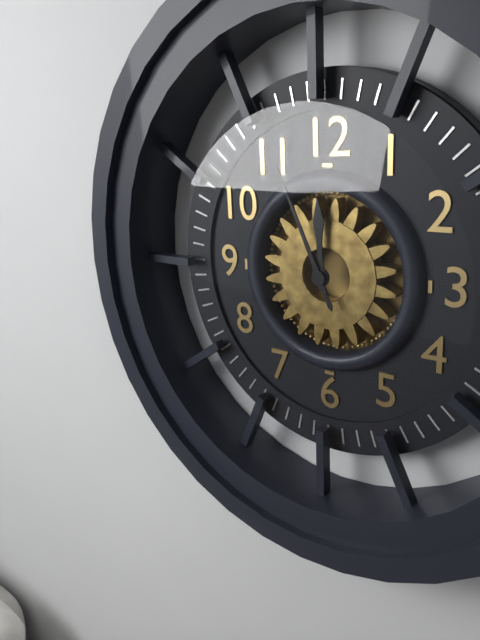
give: {"hour": 11, "minute": 56}
